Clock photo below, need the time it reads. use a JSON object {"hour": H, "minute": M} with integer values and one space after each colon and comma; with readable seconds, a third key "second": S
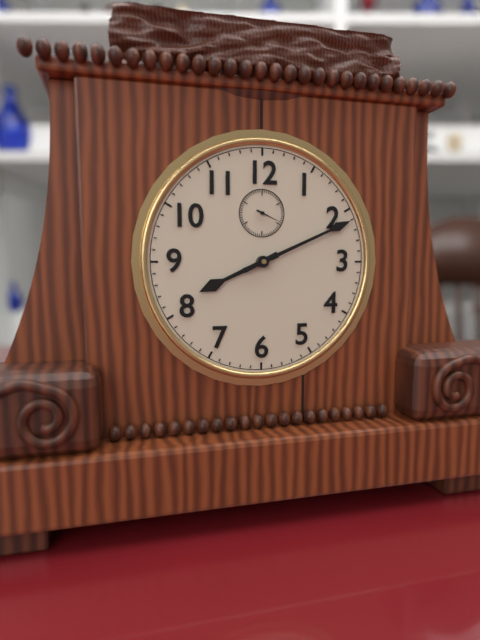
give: {"hour": 8, "minute": 11}
